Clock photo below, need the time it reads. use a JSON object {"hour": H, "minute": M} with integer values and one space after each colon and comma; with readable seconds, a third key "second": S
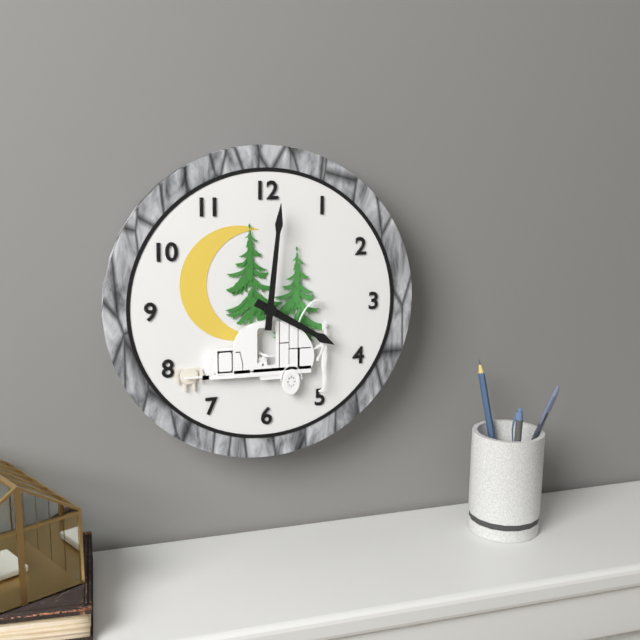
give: {"hour": 4, "minute": 1}
